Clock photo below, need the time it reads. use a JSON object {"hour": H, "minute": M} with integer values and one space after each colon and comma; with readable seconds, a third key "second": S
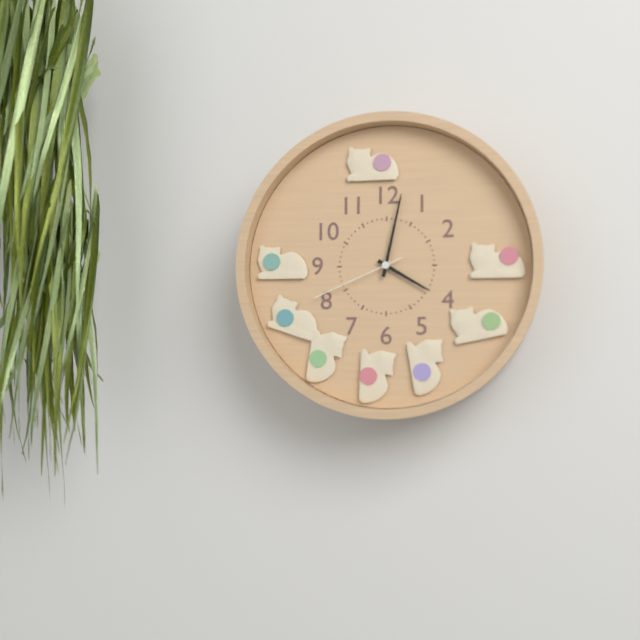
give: {"hour": 4, "minute": 2, "second": 41}
